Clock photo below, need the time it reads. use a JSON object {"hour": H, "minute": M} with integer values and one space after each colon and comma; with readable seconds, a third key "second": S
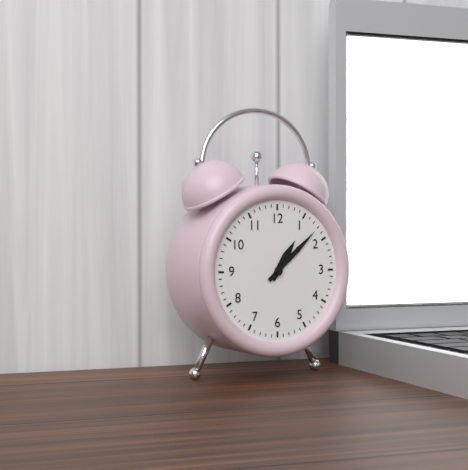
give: {"hour": 1, "minute": 8}
